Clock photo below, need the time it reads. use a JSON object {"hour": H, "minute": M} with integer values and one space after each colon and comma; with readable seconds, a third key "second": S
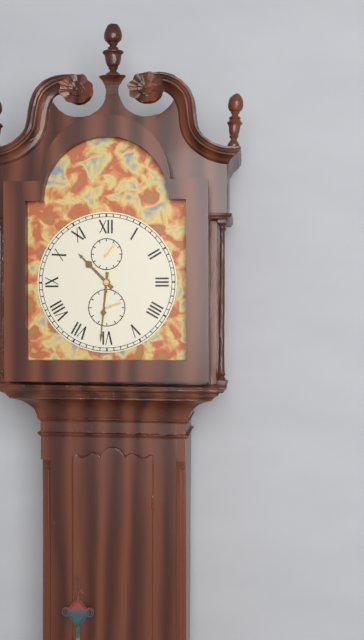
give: {"hour": 10, "minute": 31}
